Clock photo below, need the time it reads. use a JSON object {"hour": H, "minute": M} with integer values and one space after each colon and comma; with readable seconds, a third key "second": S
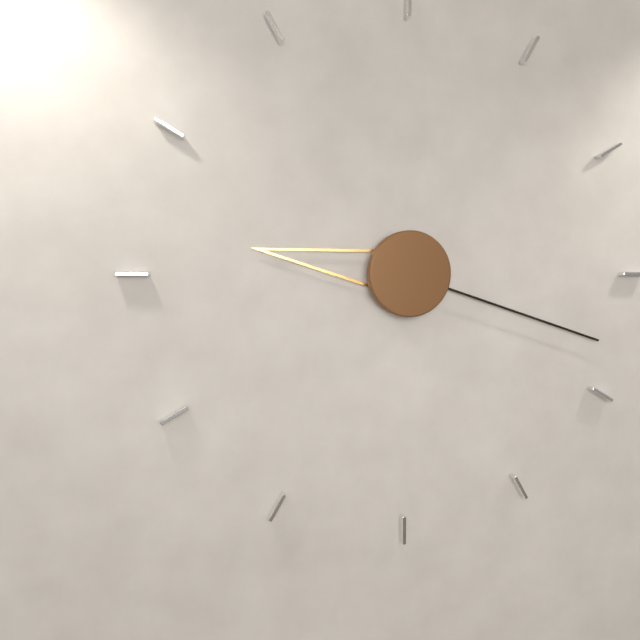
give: {"hour": 9, "minute": 18}
